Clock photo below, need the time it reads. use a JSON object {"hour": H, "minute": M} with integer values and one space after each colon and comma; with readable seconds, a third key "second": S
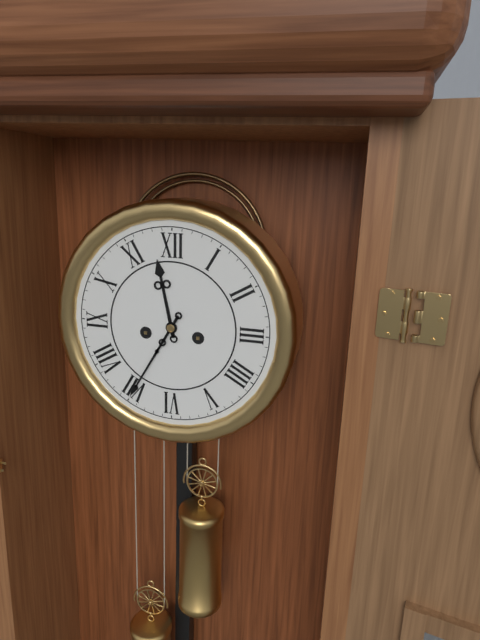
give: {"hour": 11, "minute": 35}
